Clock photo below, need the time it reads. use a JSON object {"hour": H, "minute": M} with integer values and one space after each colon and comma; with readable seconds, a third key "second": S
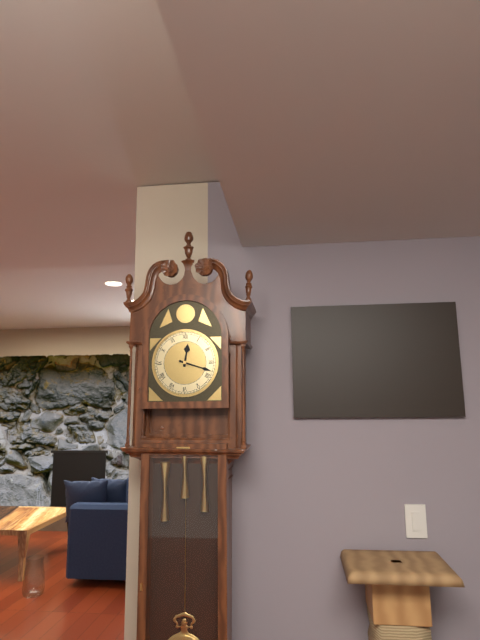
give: {"hour": 12, "minute": 18}
